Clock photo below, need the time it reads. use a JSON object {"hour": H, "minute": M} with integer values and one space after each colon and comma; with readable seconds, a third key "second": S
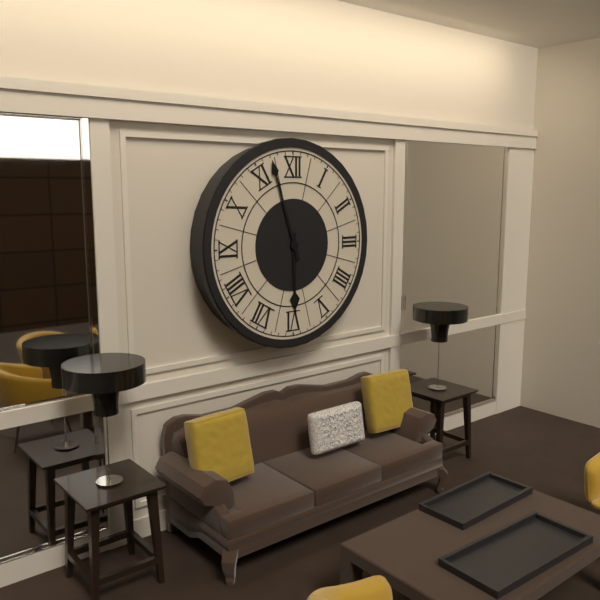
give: {"hour": 5, "minute": 57}
